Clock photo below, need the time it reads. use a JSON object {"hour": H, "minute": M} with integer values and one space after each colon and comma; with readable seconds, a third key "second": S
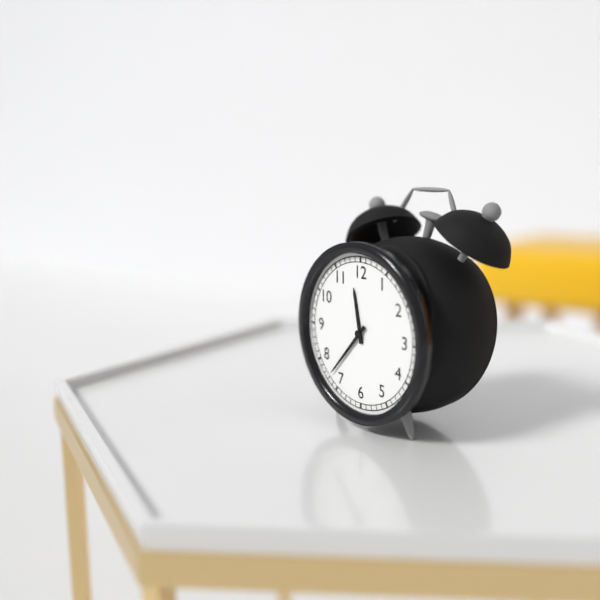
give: {"hour": 11, "minute": 37}
